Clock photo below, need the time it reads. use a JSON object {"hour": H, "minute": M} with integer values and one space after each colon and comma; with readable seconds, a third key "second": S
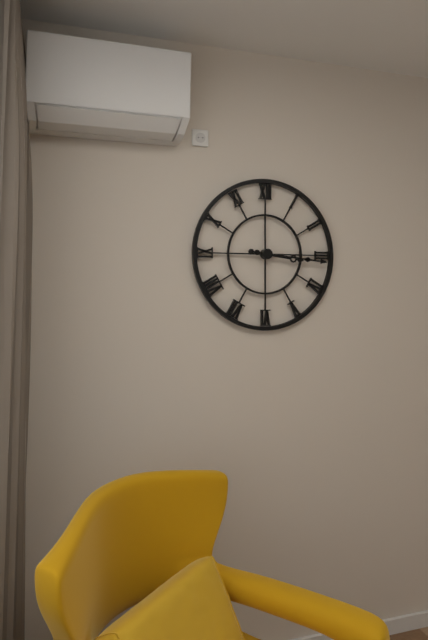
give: {"hour": 3, "minute": 16}
